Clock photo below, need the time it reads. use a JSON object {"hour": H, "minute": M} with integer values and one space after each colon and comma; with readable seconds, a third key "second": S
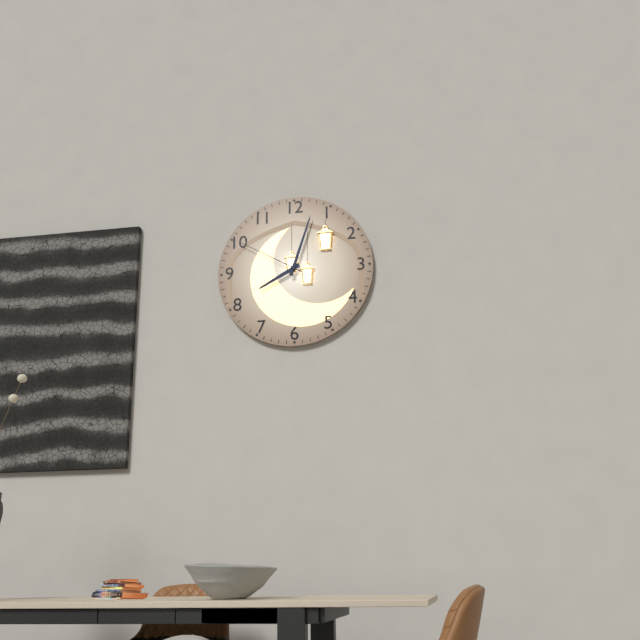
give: {"hour": 8, "minute": 3, "second": 50}
